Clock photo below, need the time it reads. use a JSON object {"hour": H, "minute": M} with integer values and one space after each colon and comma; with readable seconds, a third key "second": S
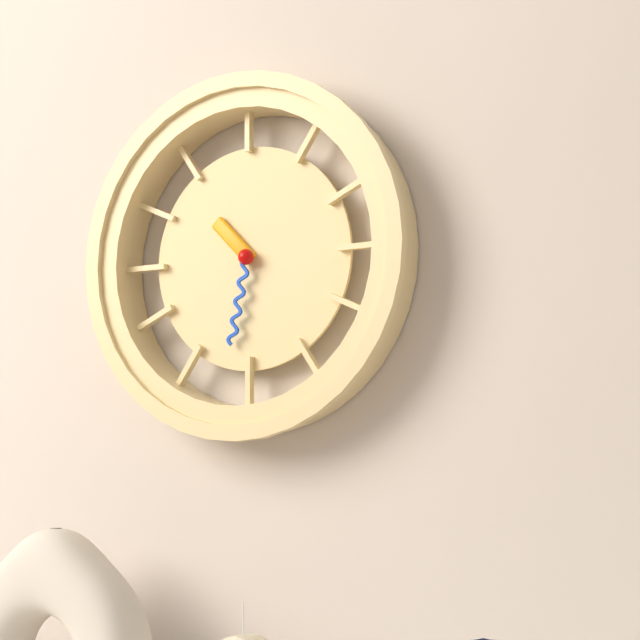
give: {"hour": 10, "minute": 32}
